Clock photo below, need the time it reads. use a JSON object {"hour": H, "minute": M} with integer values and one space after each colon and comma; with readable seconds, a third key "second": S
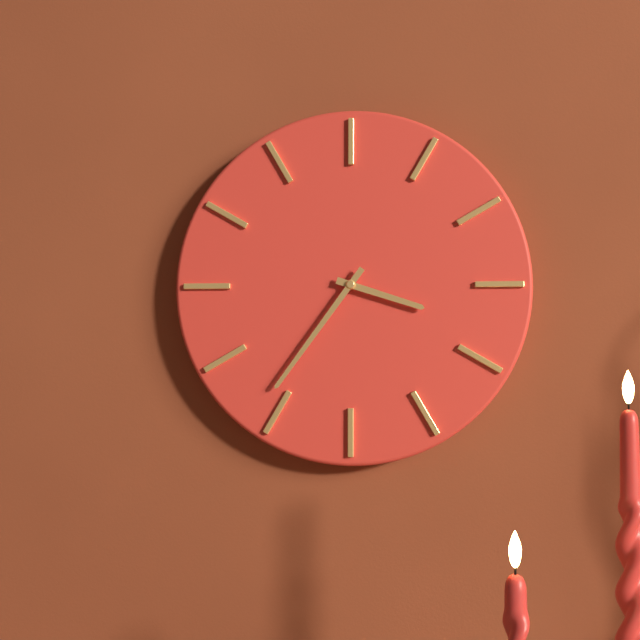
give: {"hour": 3, "minute": 36}
